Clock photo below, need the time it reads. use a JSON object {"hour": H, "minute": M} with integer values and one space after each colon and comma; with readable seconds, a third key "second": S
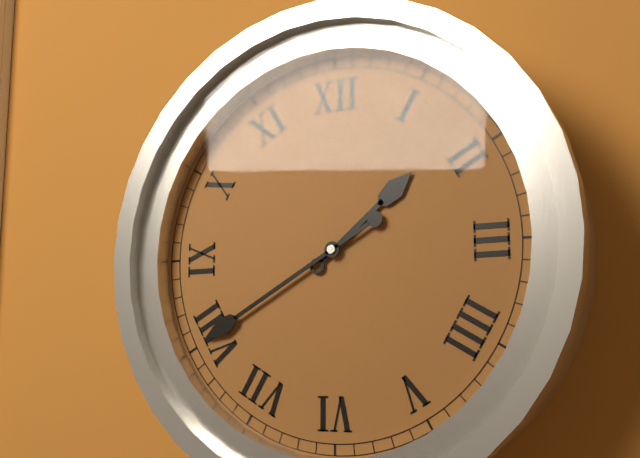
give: {"hour": 1, "minute": 40}
